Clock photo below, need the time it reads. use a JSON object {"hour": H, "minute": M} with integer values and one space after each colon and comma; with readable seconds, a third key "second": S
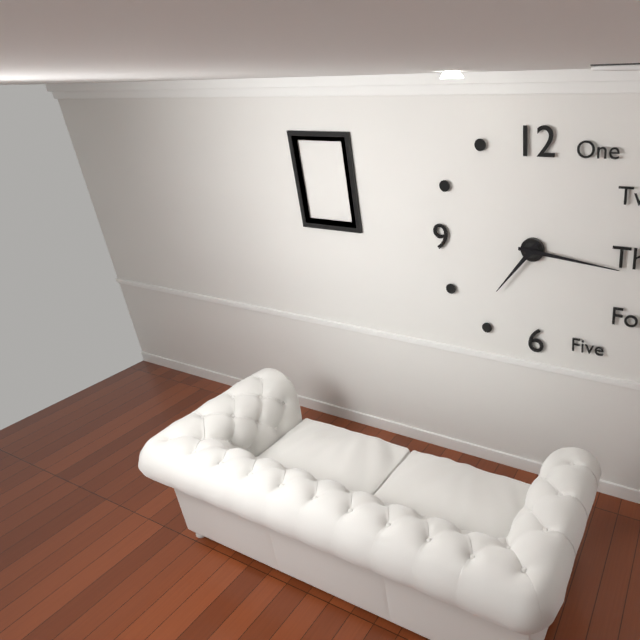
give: {"hour": 7, "minute": 16}
